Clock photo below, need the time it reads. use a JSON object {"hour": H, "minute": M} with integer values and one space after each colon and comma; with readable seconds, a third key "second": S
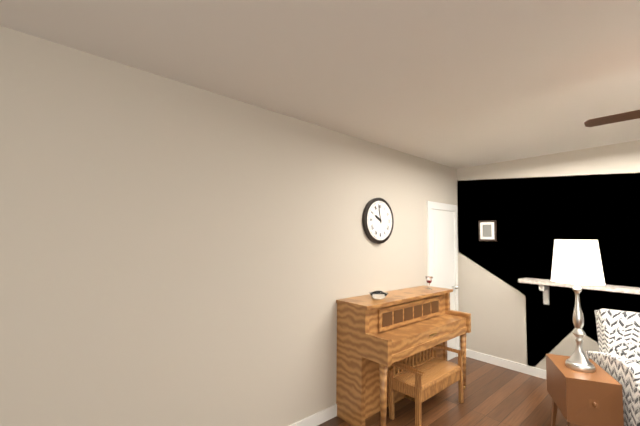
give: {"hour": 9, "minute": 58}
